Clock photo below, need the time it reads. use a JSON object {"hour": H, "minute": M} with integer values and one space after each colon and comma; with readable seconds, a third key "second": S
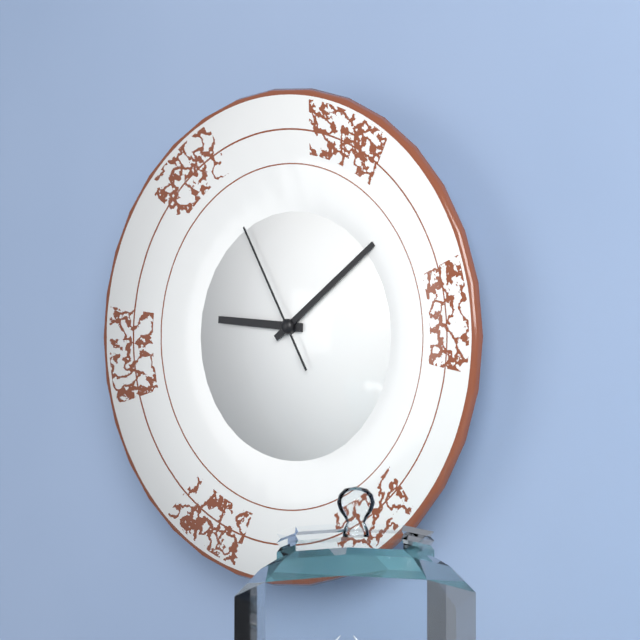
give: {"hour": 9, "minute": 9, "second": 55}
